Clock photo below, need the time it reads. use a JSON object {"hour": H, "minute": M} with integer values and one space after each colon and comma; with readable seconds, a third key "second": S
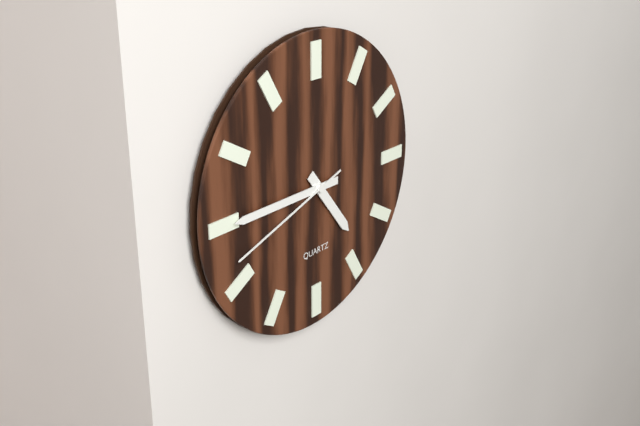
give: {"hour": 4, "minute": 45, "second": 42}
